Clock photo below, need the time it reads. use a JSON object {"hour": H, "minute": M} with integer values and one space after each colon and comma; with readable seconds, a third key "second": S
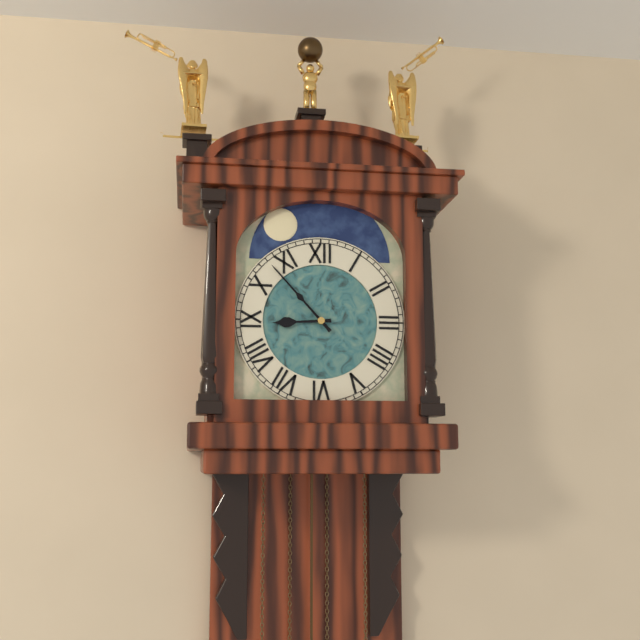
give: {"hour": 8, "minute": 53}
